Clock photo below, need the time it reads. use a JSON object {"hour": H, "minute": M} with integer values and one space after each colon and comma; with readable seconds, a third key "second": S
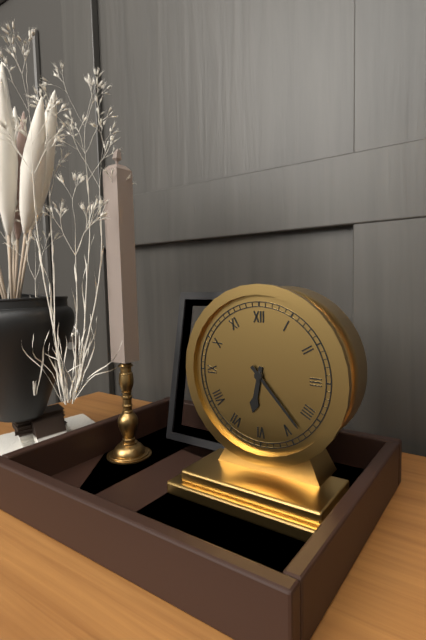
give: {"hour": 6, "minute": 23}
